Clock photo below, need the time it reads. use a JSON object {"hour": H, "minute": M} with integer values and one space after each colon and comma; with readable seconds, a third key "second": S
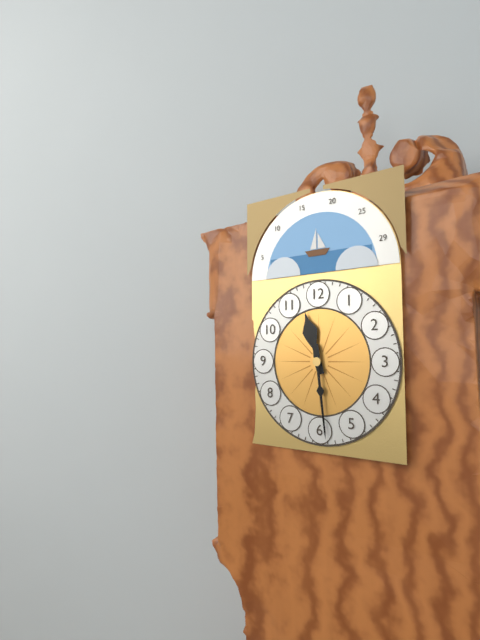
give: {"hour": 11, "minute": 29}
